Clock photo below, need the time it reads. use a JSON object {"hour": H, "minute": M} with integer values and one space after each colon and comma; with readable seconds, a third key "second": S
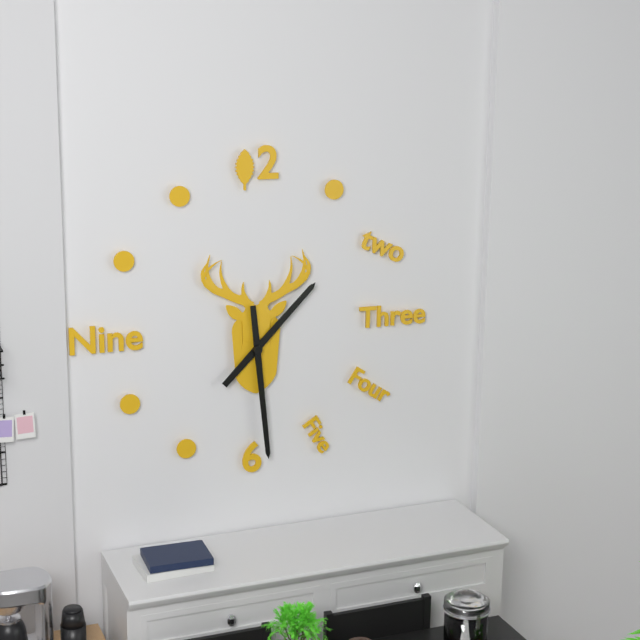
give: {"hour": 1, "minute": 29}
